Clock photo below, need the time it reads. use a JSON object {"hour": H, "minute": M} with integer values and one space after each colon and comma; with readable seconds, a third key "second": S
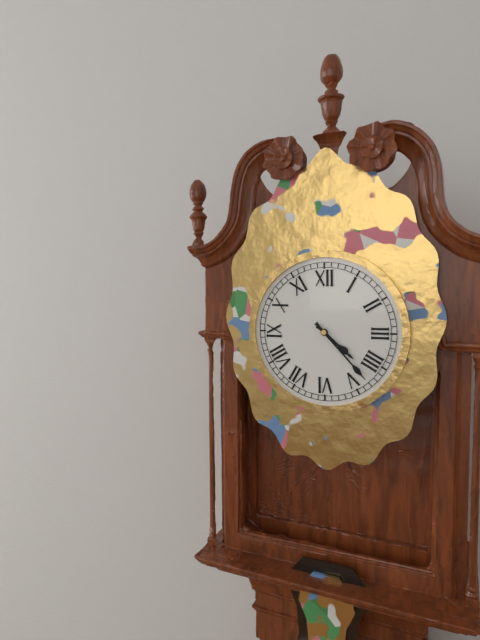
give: {"hour": 4, "minute": 23}
